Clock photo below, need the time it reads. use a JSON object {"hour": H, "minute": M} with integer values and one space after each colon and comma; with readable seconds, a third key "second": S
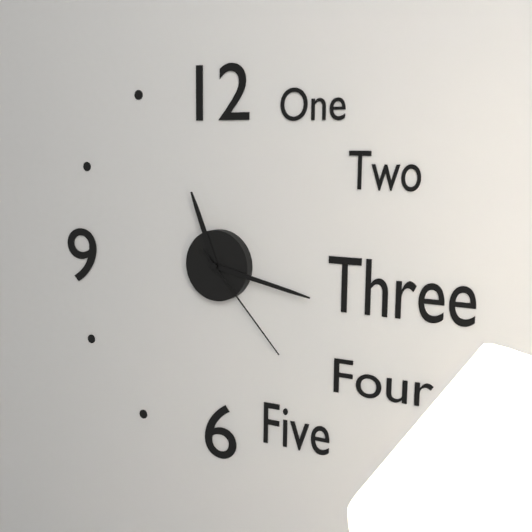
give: {"hour": 11, "minute": 17, "second": 23}
